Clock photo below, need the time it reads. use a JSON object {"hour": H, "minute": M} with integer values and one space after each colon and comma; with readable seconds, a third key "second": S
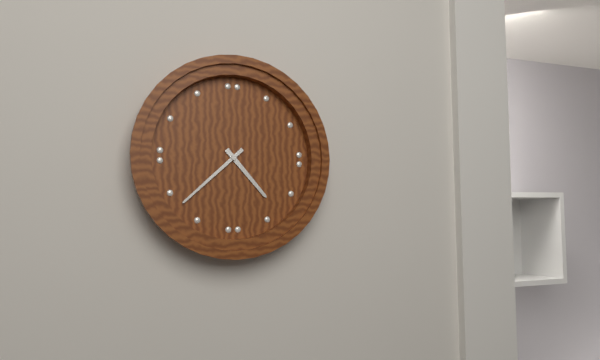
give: {"hour": 4, "minute": 38}
